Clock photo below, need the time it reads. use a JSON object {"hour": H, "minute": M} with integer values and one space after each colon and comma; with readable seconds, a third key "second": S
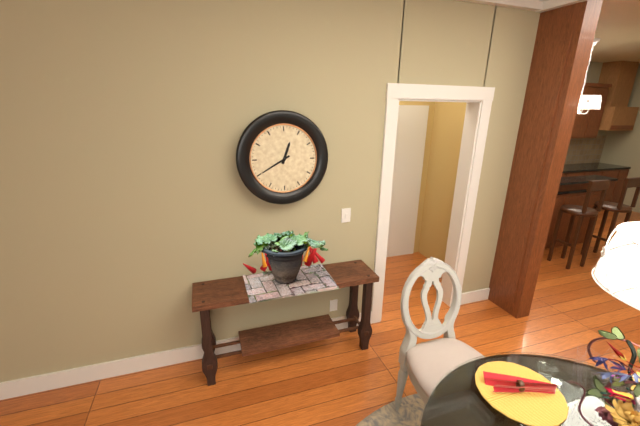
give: {"hour": 12, "minute": 40}
